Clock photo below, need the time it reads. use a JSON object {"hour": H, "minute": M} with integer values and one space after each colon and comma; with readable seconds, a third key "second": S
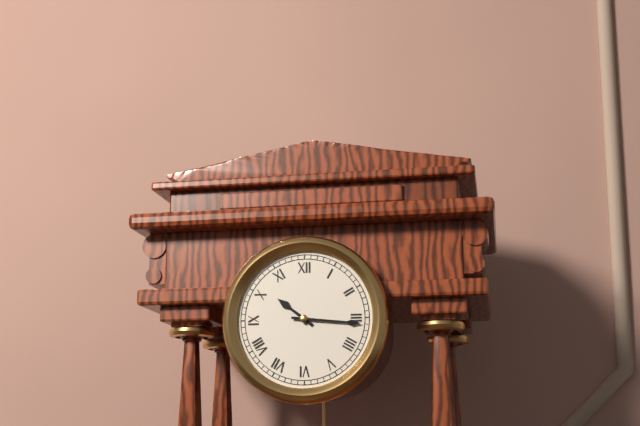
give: {"hour": 10, "minute": 16}
